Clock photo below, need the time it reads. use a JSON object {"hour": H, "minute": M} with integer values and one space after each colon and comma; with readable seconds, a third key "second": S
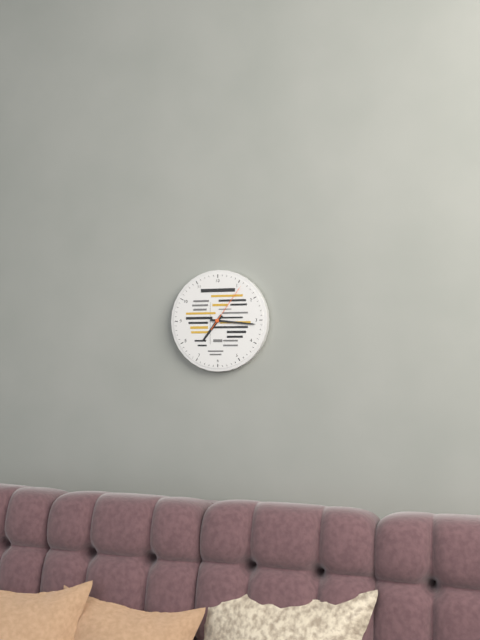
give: {"hour": 7, "minute": 16, "second": 6}
